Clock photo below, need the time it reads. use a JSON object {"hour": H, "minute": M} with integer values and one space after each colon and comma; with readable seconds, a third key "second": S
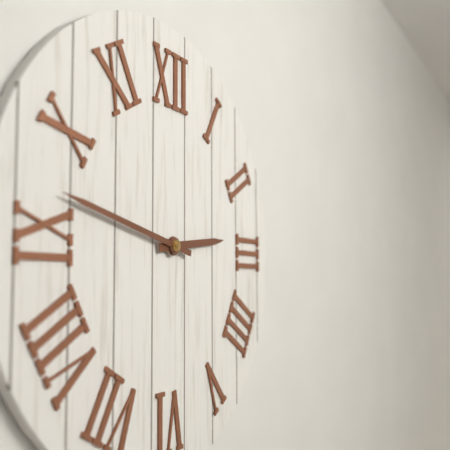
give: {"hour": 2, "minute": 47}
